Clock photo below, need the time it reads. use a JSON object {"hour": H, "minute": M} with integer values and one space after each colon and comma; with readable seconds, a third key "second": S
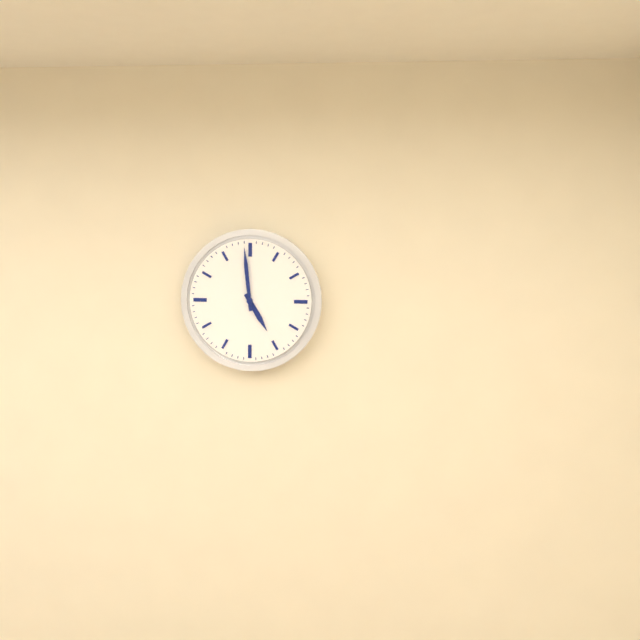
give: {"hour": 4, "minute": 59}
